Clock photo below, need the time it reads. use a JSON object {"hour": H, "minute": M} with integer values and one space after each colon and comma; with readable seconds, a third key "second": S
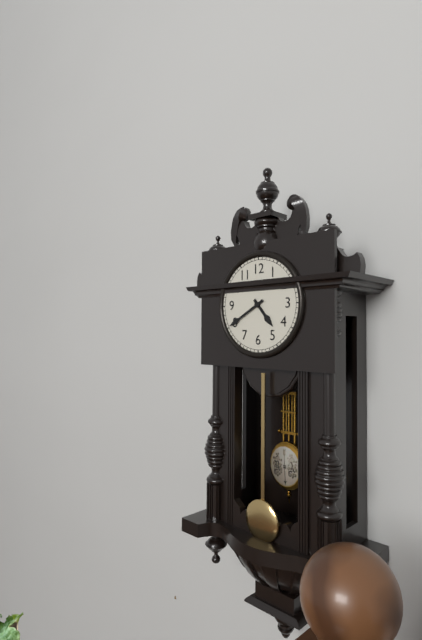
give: {"hour": 4, "minute": 40}
